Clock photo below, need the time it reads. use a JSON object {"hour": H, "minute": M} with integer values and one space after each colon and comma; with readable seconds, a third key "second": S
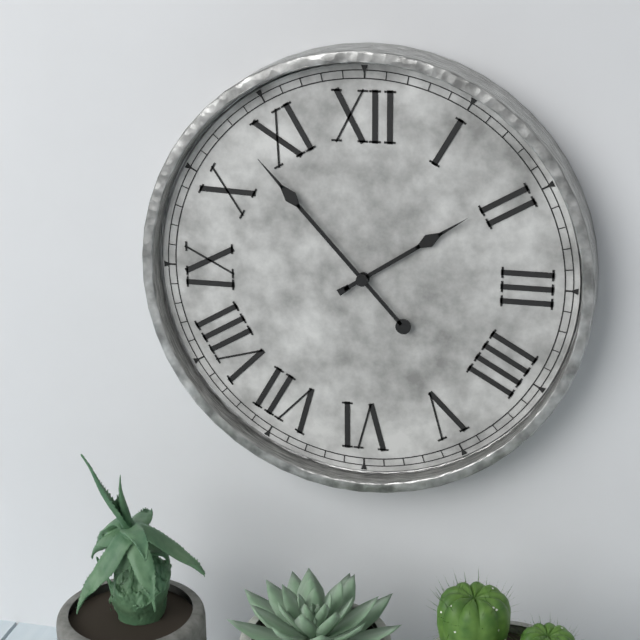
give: {"hour": 1, "minute": 53}
